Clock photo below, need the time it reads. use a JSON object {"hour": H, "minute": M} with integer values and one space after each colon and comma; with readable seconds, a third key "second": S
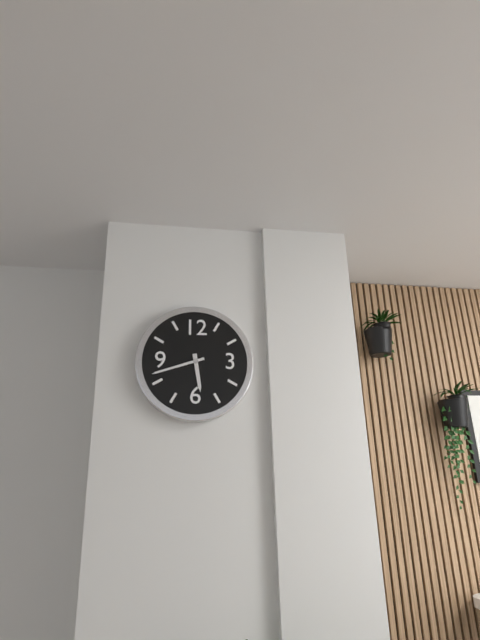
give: {"hour": 5, "minute": 42}
